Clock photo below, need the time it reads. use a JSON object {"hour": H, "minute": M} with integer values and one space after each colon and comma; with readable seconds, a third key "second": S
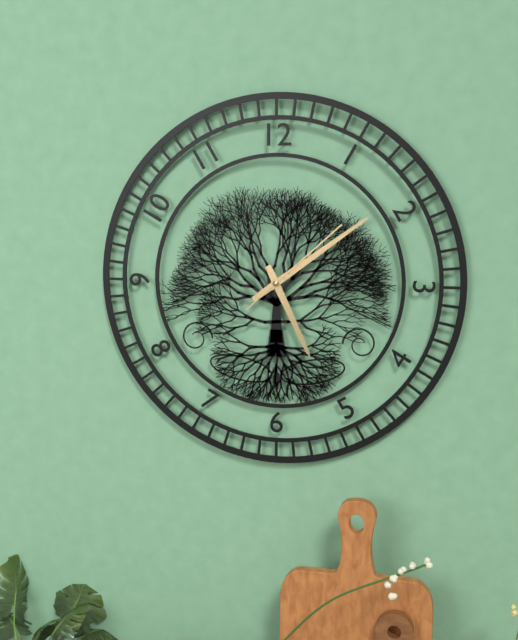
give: {"hour": 5, "minute": 9, "second": 8}
